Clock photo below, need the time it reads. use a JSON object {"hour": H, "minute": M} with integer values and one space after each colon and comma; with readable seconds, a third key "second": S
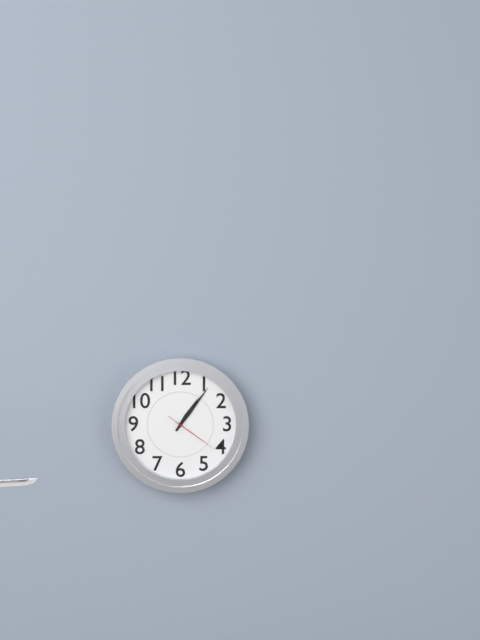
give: {"hour": 1, "minute": 6, "second": 21}
